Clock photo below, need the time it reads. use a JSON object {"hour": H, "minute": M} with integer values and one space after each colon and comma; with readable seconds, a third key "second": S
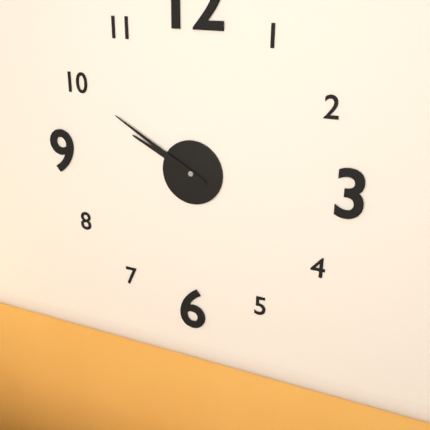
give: {"hour": 9, "minute": 50}
